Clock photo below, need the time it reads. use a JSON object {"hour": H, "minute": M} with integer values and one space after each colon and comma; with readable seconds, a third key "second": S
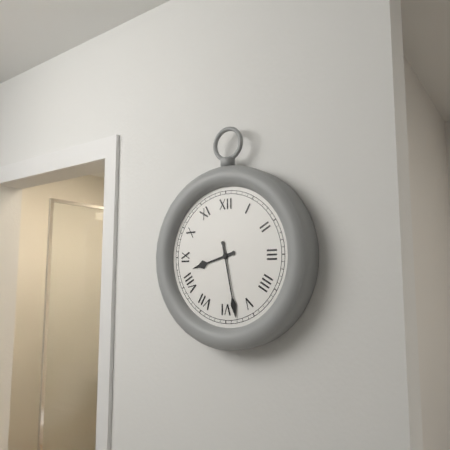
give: {"hour": 8, "minute": 28}
